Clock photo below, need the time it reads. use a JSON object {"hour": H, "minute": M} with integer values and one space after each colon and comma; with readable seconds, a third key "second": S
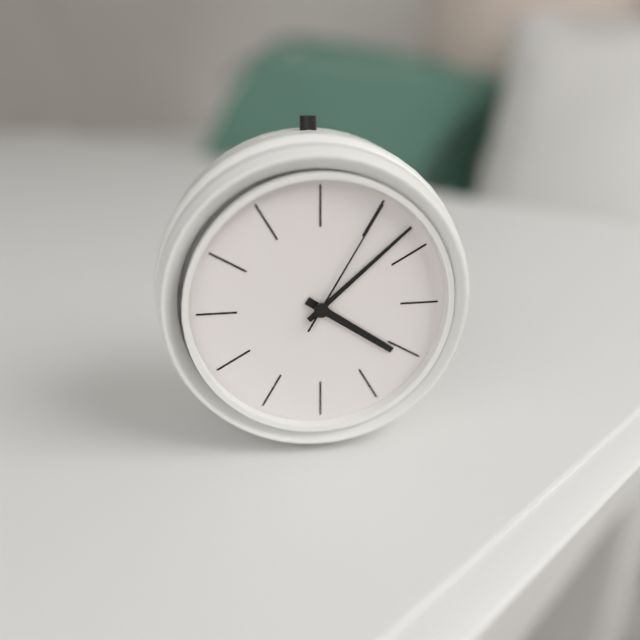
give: {"hour": 4, "minute": 8, "second": 5}
